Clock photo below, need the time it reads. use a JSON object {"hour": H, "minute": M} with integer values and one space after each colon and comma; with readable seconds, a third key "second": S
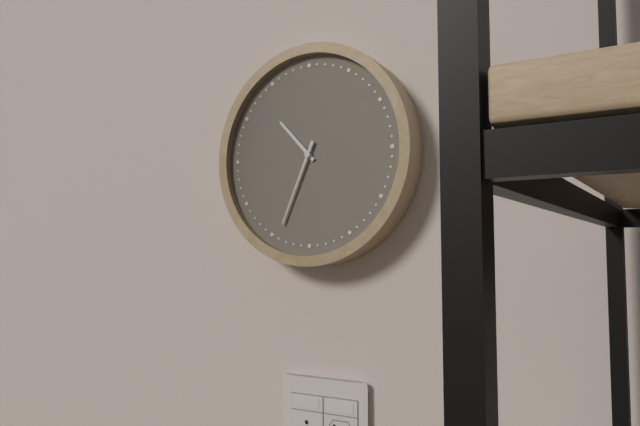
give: {"hour": 10, "minute": 34}
